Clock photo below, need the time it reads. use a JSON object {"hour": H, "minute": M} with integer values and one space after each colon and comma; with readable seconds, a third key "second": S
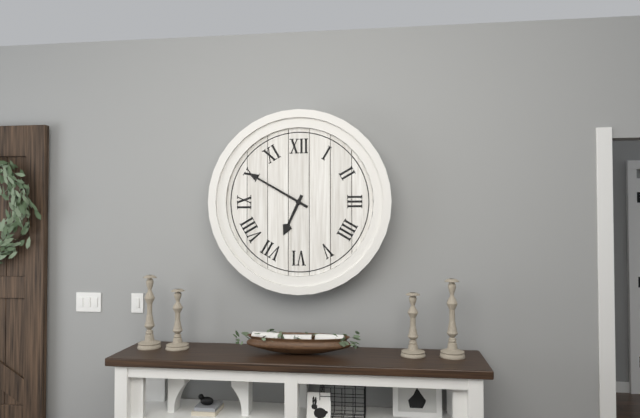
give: {"hour": 6, "minute": 50}
